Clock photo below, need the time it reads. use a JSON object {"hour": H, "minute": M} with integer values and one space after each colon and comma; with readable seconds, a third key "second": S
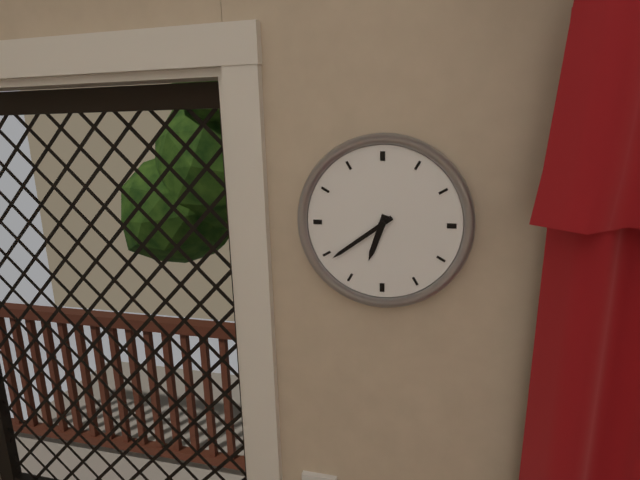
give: {"hour": 6, "minute": 39}
